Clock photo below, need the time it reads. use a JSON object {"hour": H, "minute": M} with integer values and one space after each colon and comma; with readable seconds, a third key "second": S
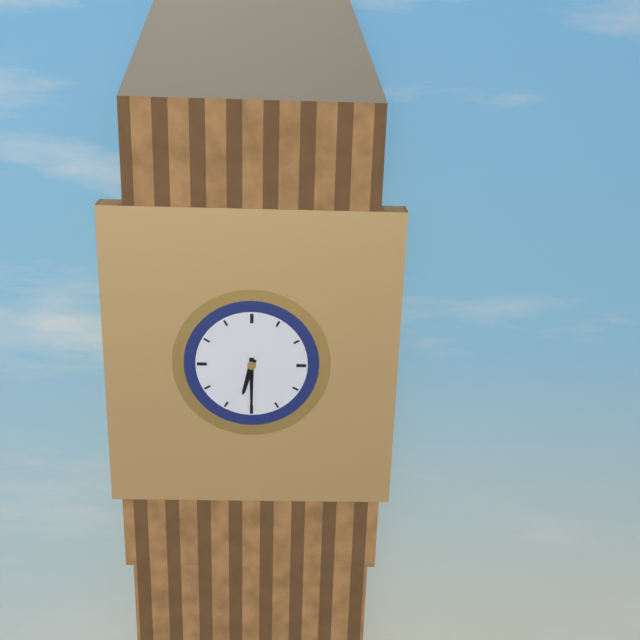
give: {"hour": 6, "minute": 30}
